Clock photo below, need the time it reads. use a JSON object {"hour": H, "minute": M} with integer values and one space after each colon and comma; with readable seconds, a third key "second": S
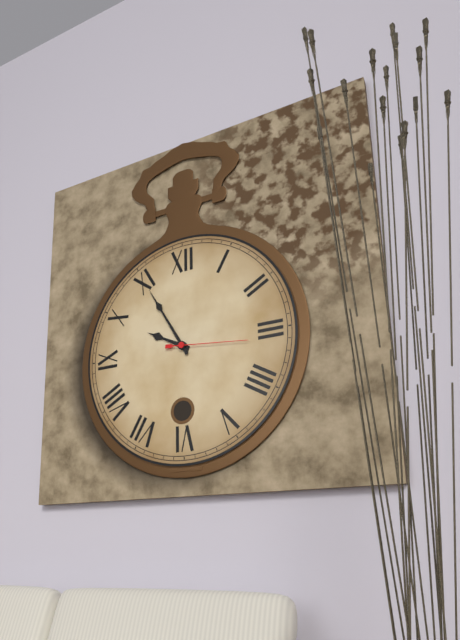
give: {"hour": 9, "minute": 55, "second": 16}
